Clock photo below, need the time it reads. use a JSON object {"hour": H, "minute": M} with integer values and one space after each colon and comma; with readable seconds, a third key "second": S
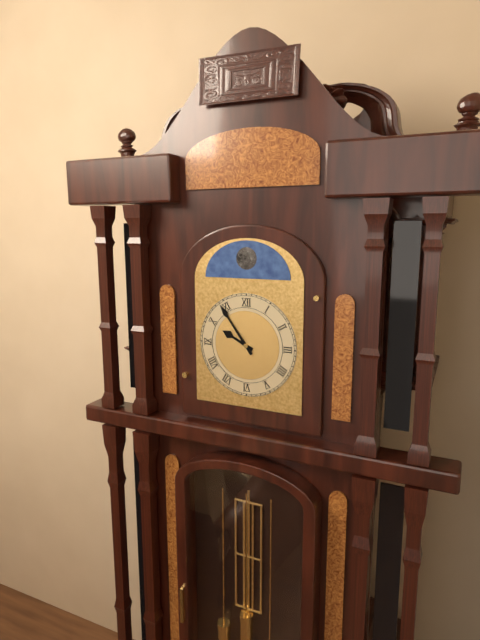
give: {"hour": 9, "minute": 54}
